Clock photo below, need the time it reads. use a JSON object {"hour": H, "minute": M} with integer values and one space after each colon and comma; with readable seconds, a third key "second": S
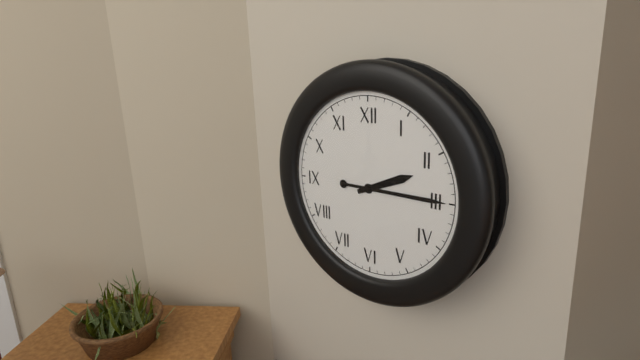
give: {"hour": 2, "minute": 15}
